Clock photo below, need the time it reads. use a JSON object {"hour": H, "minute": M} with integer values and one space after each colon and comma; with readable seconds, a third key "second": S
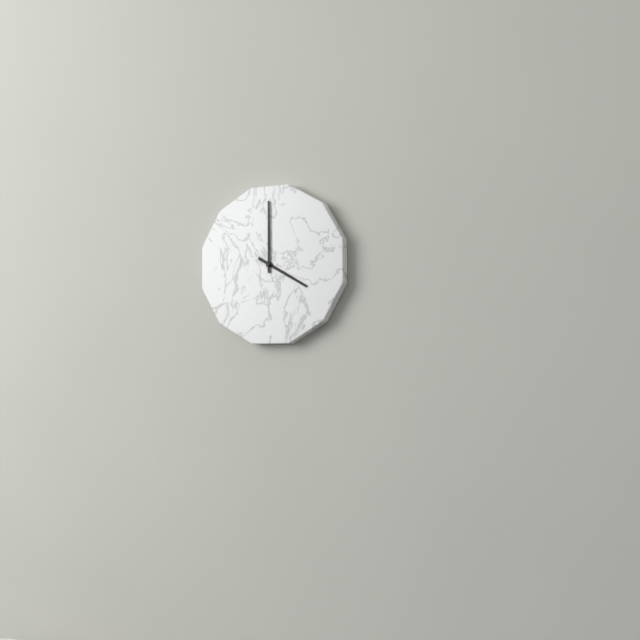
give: {"hour": 4, "minute": 0}
